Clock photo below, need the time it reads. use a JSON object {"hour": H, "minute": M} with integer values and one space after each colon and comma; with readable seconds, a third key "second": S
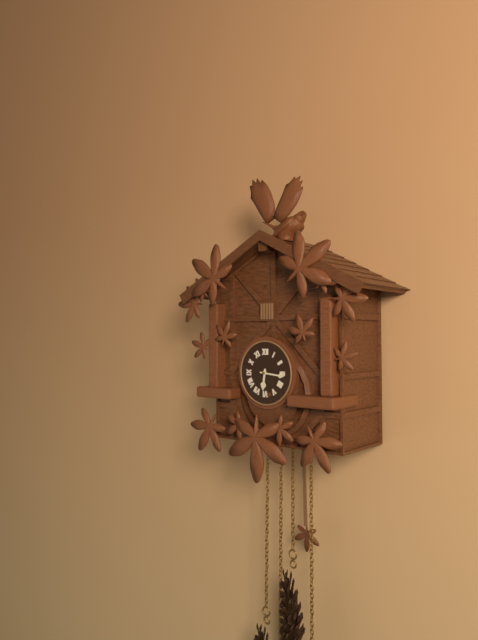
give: {"hour": 6, "minute": 16}
